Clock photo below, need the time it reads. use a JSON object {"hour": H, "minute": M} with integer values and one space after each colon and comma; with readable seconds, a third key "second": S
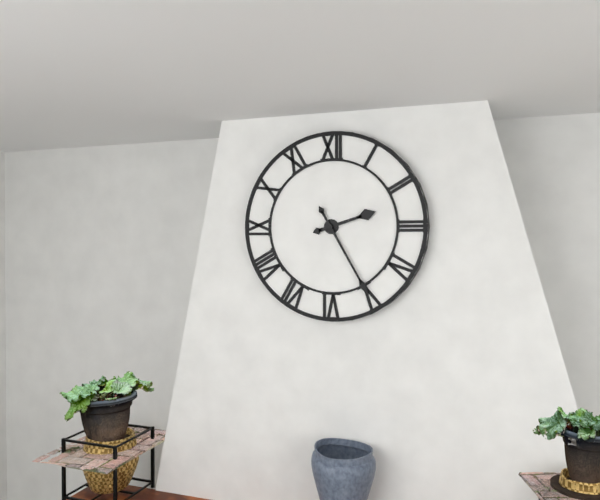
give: {"hour": 2, "minute": 25}
